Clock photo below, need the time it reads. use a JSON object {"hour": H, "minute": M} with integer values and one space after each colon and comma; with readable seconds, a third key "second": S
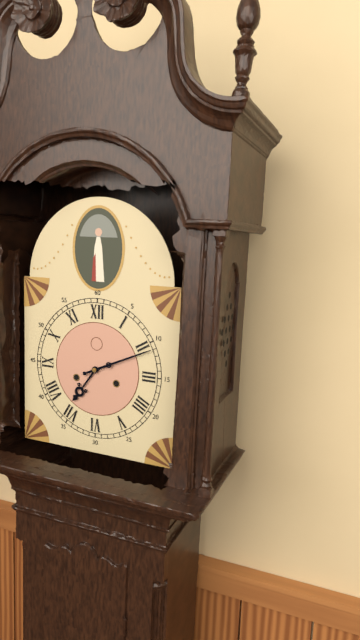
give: {"hour": 7, "minute": 11}
